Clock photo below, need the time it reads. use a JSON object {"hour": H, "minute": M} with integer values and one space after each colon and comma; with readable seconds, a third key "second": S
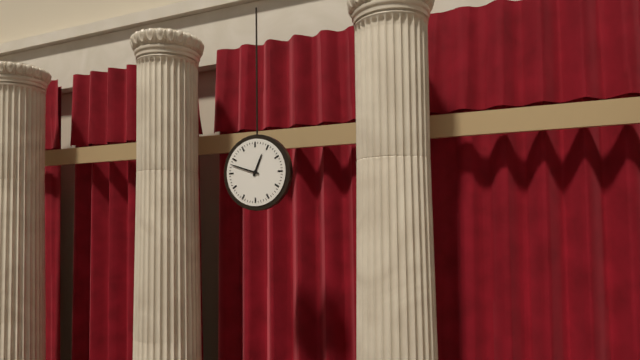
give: {"hour": 12, "minute": 48}
